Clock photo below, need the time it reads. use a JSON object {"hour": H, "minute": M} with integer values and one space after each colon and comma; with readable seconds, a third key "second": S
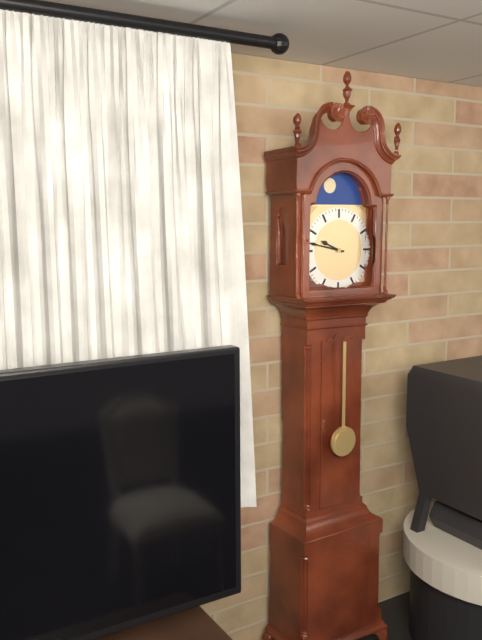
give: {"hour": 9, "minute": 47}
